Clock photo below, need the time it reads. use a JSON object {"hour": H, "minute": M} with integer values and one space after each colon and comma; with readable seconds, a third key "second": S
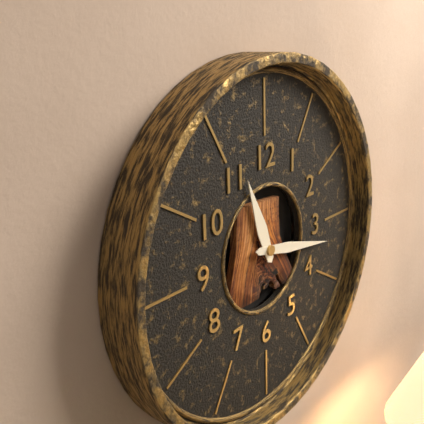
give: {"hour": 11, "minute": 17}
